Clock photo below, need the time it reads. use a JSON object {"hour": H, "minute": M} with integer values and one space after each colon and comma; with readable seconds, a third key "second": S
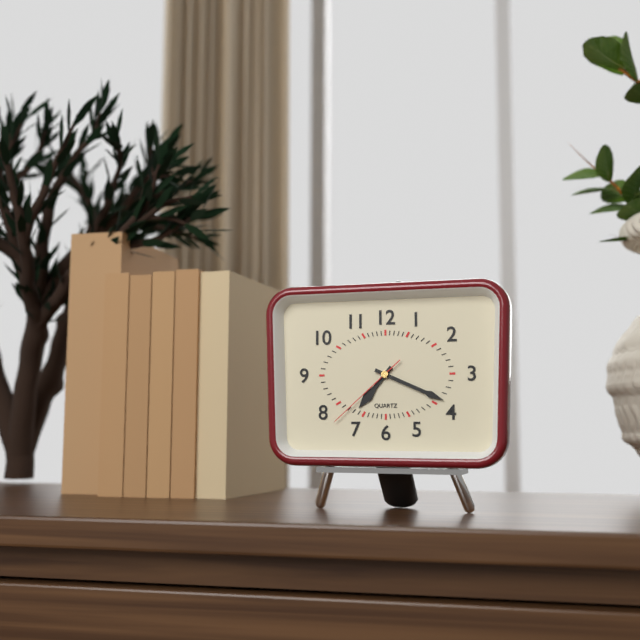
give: {"hour": 7, "minute": 19, "second": 38}
